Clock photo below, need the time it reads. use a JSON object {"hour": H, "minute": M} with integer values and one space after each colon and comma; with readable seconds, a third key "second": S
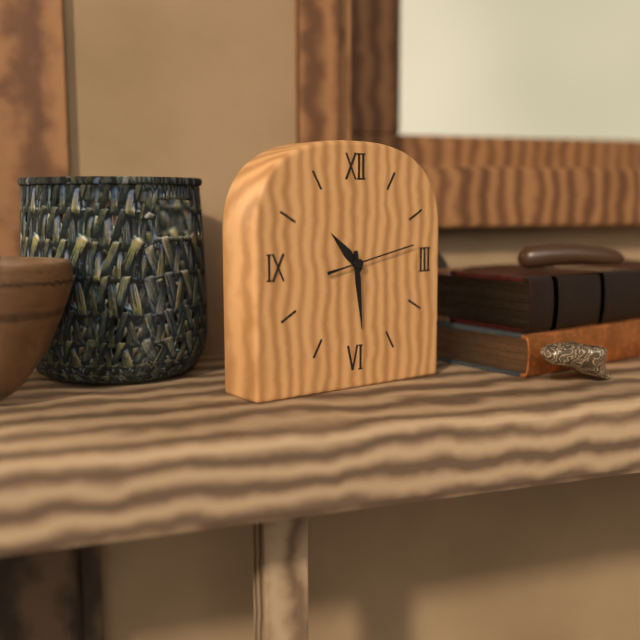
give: {"hour": 10, "minute": 29, "second": 13}
